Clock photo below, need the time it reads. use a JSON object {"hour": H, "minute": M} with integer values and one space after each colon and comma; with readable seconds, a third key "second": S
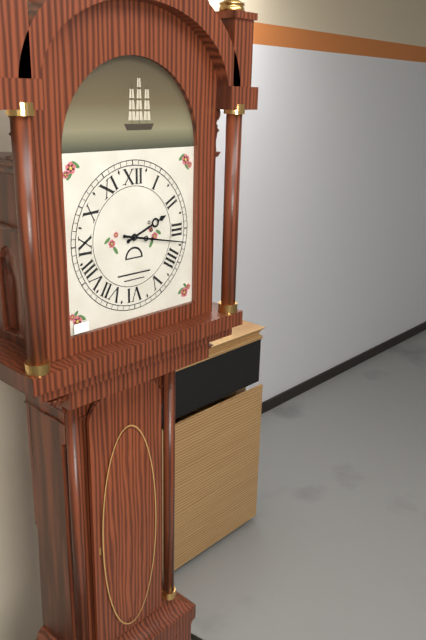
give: {"hour": 2, "minute": 17}
